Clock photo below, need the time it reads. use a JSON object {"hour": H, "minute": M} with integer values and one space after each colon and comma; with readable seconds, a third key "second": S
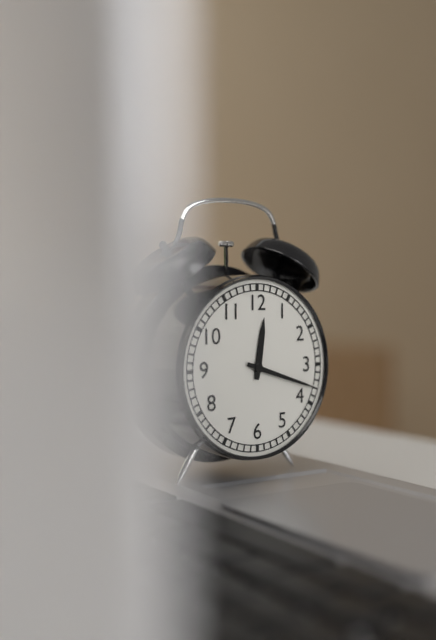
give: {"hour": 12, "minute": 18}
